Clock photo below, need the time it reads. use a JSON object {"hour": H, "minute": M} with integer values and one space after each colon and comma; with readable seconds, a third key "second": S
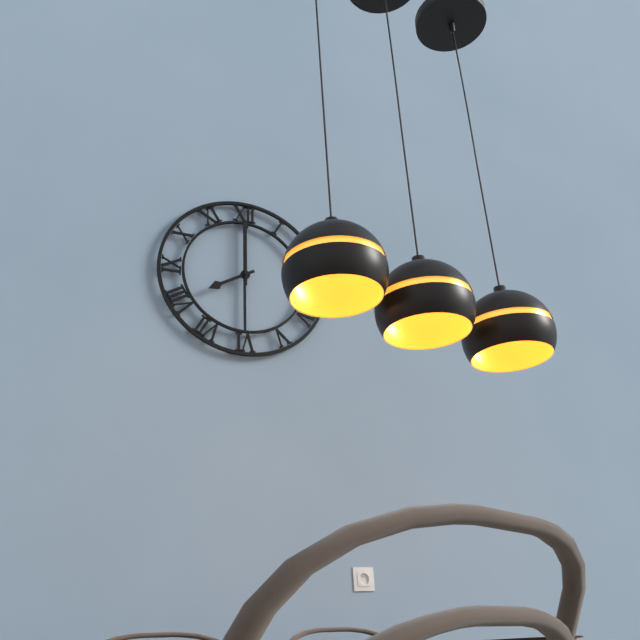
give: {"hour": 8, "minute": 0}
